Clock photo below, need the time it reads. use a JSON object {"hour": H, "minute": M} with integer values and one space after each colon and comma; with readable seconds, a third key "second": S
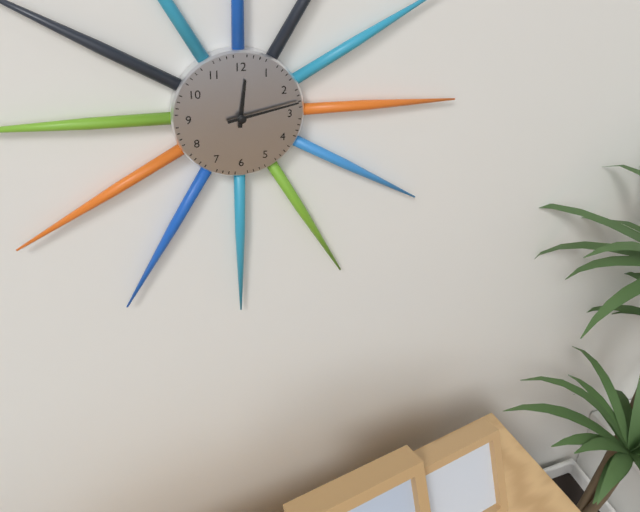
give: {"hour": 12, "minute": 13}
